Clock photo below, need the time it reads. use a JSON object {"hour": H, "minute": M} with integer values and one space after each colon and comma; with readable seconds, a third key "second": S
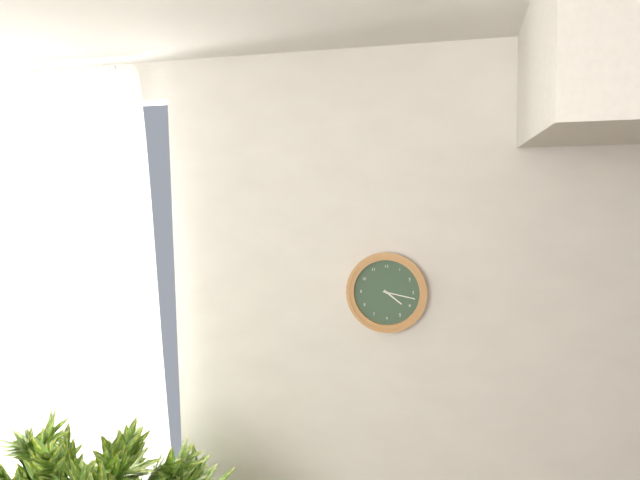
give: {"hour": 4, "minute": 17}
